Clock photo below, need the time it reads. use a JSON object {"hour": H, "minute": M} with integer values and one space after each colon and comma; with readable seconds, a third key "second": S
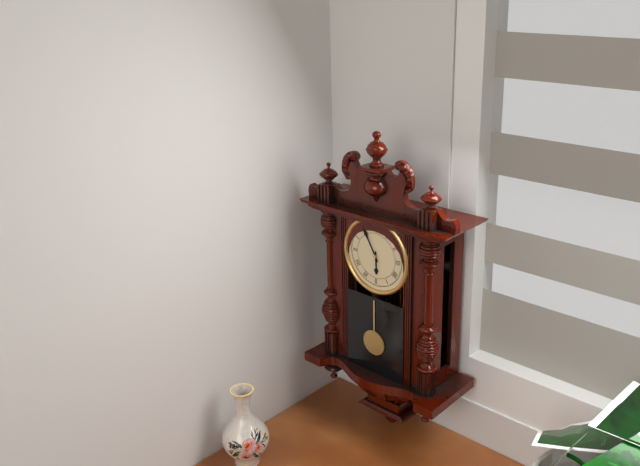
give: {"hour": 5, "minute": 55}
